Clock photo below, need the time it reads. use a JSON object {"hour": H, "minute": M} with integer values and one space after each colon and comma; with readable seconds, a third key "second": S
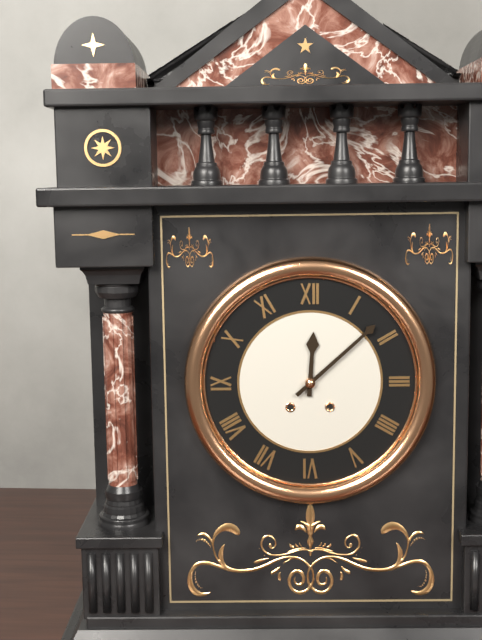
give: {"hour": 12, "minute": 8}
